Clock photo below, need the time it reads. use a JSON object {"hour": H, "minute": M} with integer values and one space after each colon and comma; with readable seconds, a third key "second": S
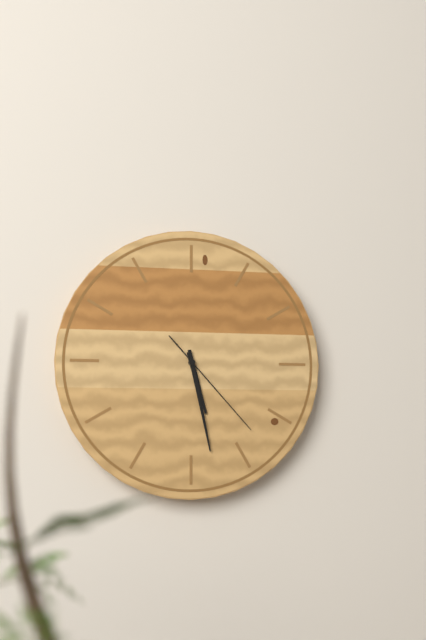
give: {"hour": 5, "minute": 28, "second": 23}
